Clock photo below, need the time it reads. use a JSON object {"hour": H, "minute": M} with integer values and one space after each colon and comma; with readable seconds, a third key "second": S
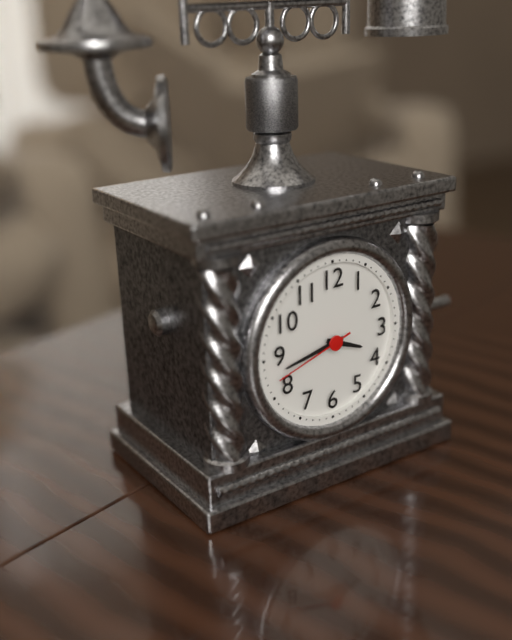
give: {"hour": 3, "minute": 43, "second": 42}
